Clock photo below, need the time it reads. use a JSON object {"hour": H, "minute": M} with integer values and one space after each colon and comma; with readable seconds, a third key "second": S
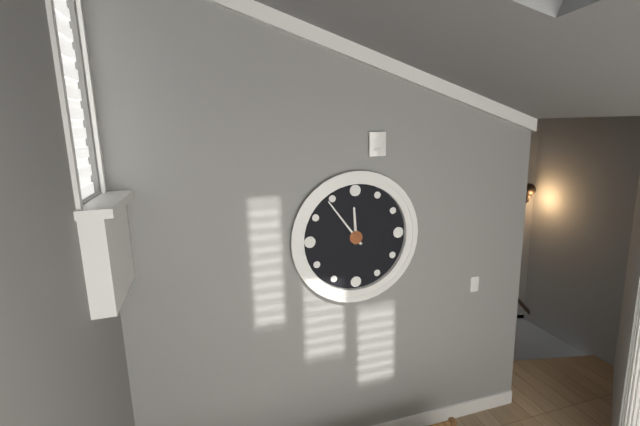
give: {"hour": 11, "minute": 54}
